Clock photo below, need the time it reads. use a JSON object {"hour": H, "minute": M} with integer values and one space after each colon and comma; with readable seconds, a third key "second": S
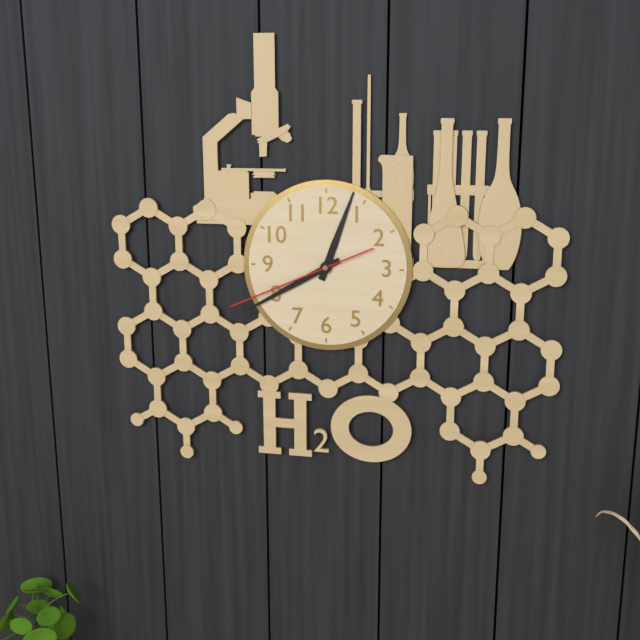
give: {"hour": 12, "minute": 40, "second": 41}
